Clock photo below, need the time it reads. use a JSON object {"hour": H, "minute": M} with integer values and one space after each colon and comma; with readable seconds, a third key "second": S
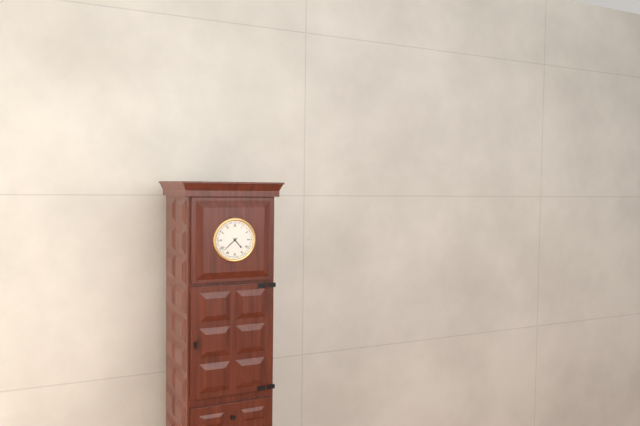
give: {"hour": 4, "minute": 38}
